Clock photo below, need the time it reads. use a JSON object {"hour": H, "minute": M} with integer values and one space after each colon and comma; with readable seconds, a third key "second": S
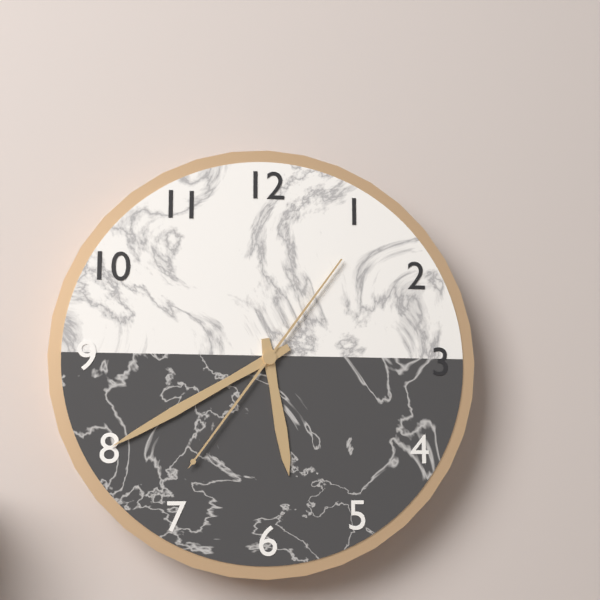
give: {"hour": 5, "minute": 40, "second": 36}
